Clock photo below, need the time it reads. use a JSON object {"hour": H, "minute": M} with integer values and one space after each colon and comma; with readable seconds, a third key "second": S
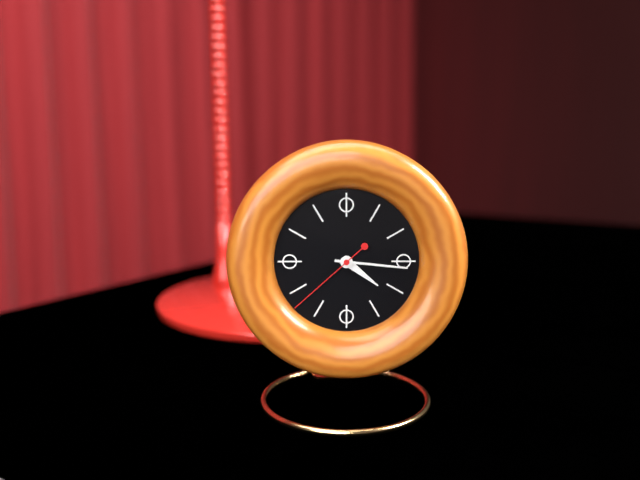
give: {"hour": 4, "minute": 16, "second": 38}
